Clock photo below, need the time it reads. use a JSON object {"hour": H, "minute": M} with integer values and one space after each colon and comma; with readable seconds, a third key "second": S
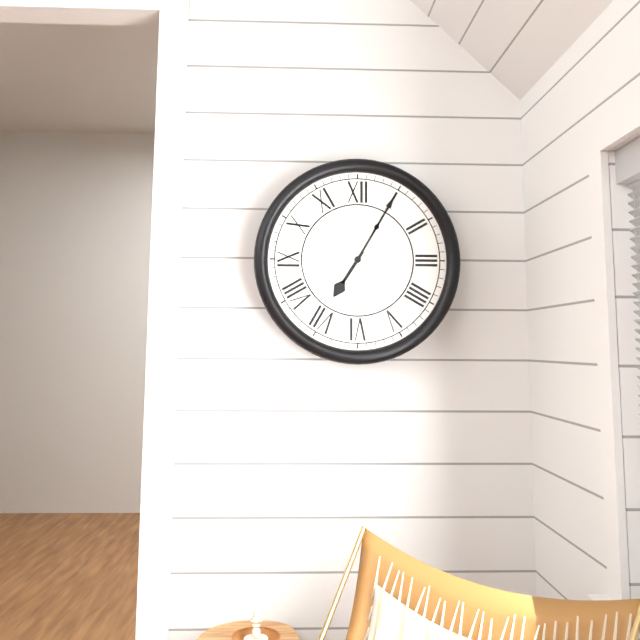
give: {"hour": 7, "minute": 5}
